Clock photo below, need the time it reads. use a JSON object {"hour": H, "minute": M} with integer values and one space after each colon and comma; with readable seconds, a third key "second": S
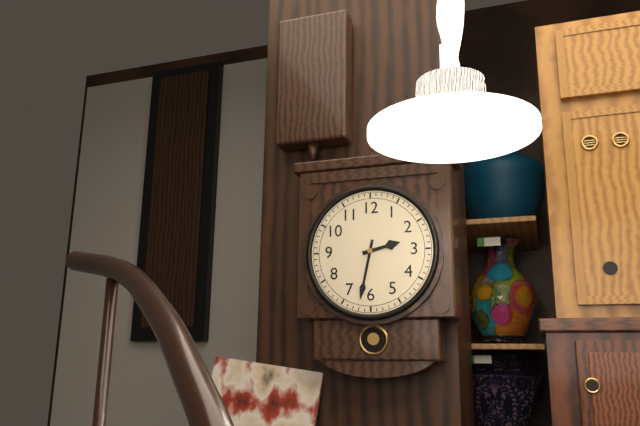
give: {"hour": 2, "minute": 32}
